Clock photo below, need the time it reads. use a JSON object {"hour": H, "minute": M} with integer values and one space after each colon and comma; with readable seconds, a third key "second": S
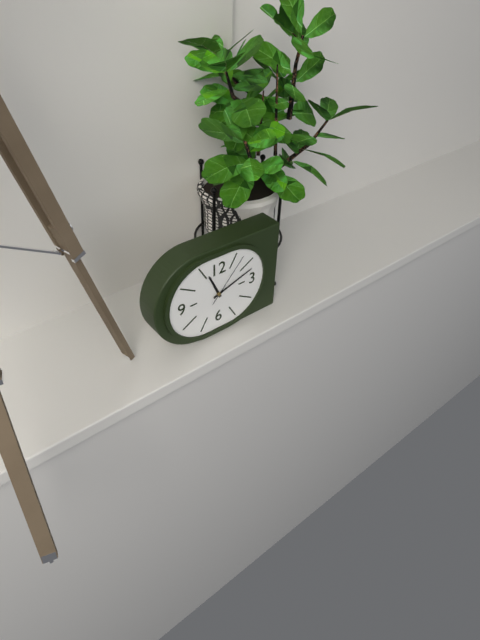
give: {"hour": 11, "minute": 12, "second": 7}
